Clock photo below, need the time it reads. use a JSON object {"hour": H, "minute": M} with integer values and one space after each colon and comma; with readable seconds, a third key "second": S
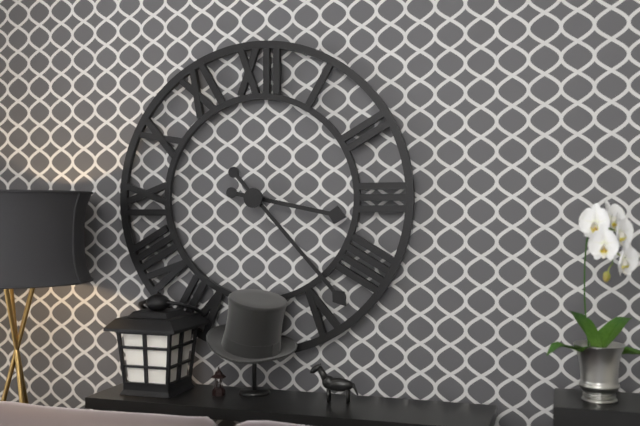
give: {"hour": 3, "minute": 23}
